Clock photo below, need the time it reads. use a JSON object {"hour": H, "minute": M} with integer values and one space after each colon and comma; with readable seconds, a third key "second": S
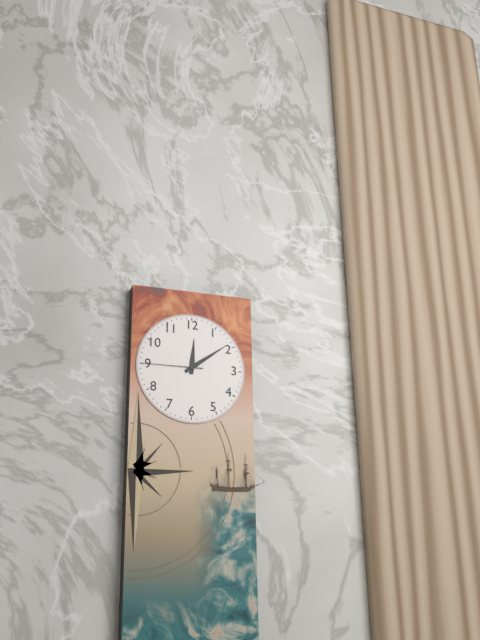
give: {"hour": 12, "minute": 9, "second": 45}
